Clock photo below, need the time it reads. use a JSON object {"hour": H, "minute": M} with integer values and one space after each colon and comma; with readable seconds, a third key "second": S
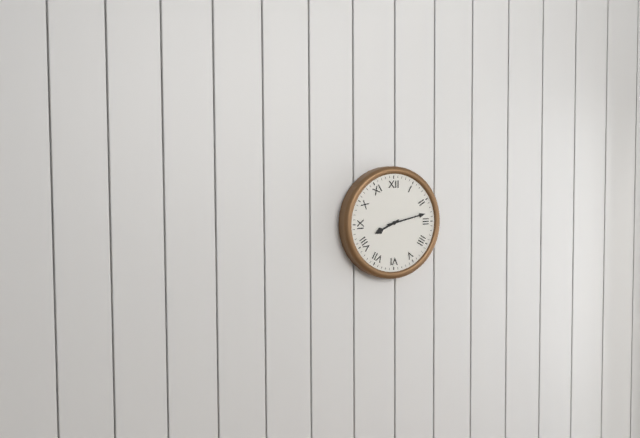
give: {"hour": 8, "minute": 13}
